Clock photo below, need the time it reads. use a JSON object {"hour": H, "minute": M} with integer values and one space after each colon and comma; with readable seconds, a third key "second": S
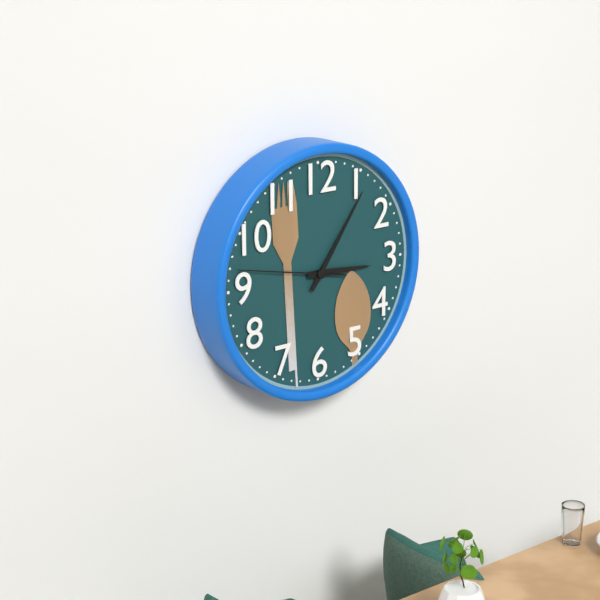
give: {"hour": 3, "minute": 6, "second": 47}
